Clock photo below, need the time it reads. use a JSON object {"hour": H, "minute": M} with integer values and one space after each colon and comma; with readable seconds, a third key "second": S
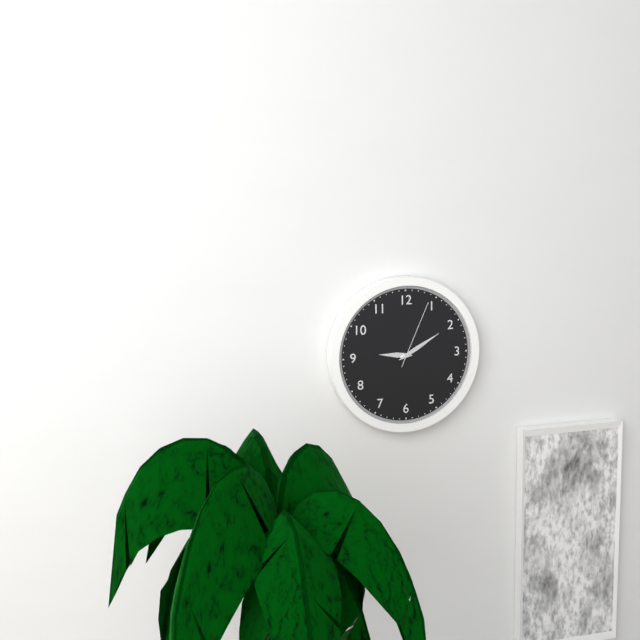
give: {"hour": 9, "minute": 10, "second": 4}
